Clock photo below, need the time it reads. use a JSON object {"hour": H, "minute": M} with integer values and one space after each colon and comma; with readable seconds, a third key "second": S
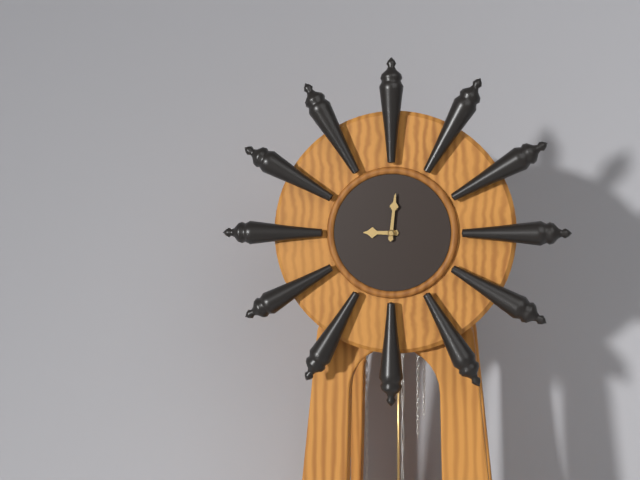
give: {"hour": 9, "minute": 1}
